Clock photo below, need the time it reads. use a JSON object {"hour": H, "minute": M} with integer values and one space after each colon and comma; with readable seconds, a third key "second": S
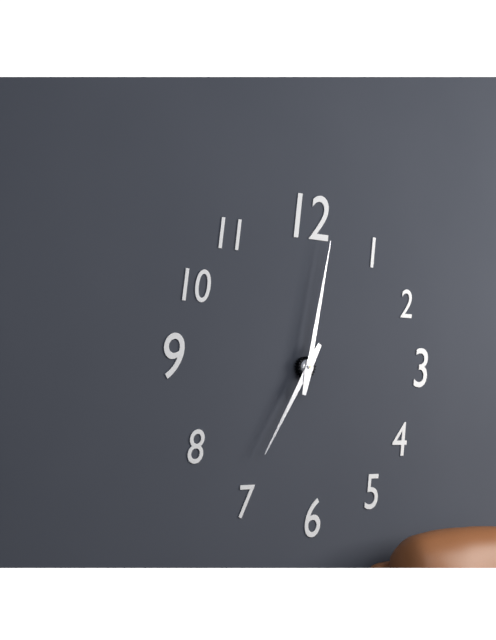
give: {"hour": 7, "minute": 2}
